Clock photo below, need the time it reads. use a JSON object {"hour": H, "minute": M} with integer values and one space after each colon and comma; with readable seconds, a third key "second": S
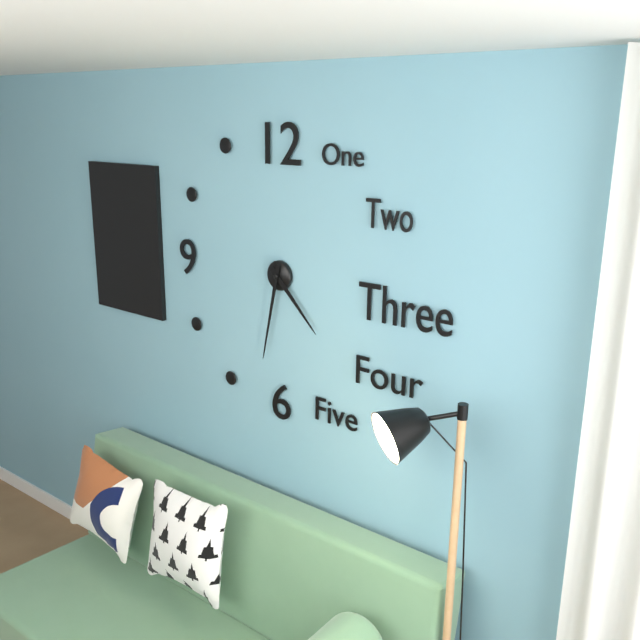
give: {"hour": 4, "minute": 32}
